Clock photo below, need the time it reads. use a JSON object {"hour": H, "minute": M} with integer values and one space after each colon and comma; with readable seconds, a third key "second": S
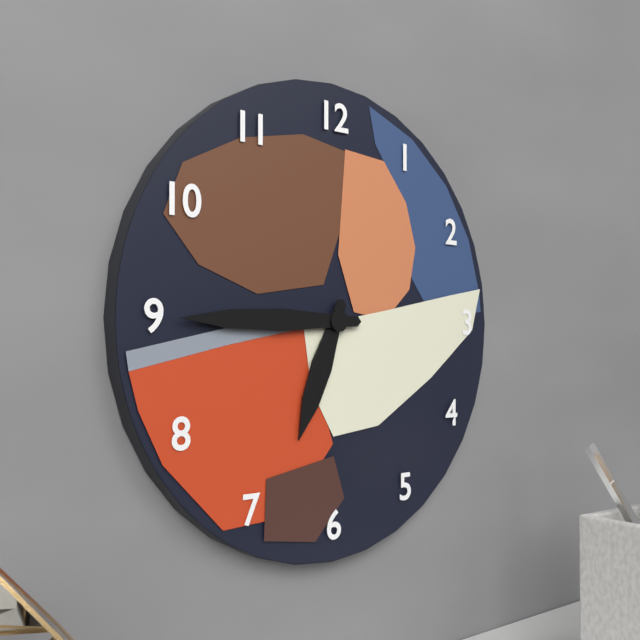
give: {"hour": 6, "minute": 45}
